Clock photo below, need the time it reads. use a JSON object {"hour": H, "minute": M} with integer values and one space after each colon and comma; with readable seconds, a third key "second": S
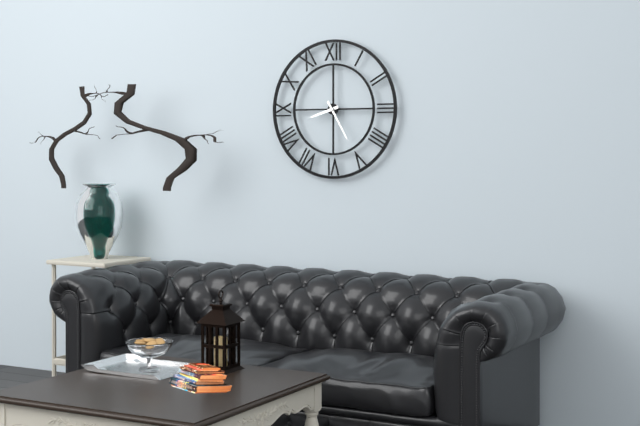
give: {"hour": 8, "minute": 25}
